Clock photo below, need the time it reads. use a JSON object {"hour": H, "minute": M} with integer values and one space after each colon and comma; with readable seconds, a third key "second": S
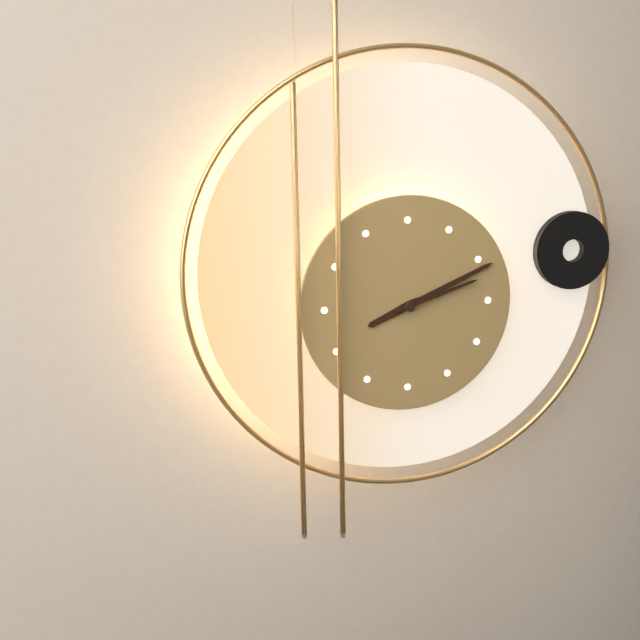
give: {"hour": 8, "minute": 11, "second": 12}
